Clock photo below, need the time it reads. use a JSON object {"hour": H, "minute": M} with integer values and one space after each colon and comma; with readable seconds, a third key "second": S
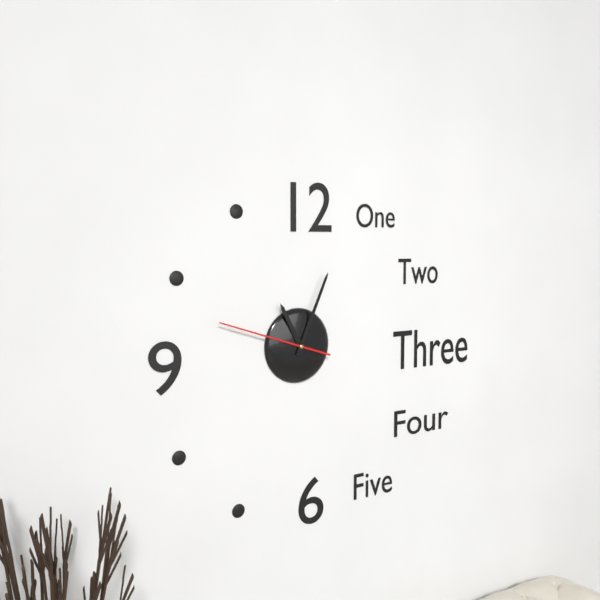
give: {"hour": 11, "minute": 4, "second": 48}
